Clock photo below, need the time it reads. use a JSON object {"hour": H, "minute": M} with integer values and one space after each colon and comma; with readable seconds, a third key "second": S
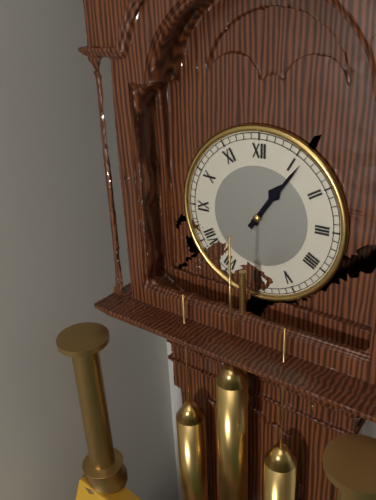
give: {"hour": 1, "minute": 6}
